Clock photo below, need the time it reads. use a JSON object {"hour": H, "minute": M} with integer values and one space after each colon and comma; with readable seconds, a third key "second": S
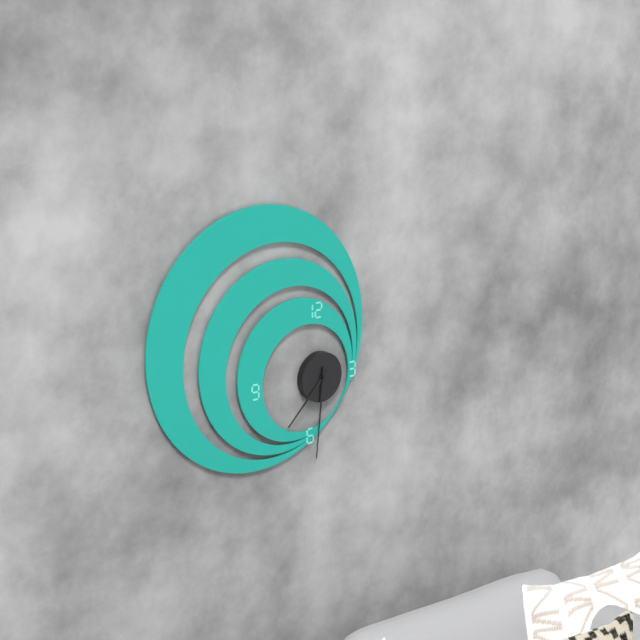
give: {"hour": 7, "minute": 31}
